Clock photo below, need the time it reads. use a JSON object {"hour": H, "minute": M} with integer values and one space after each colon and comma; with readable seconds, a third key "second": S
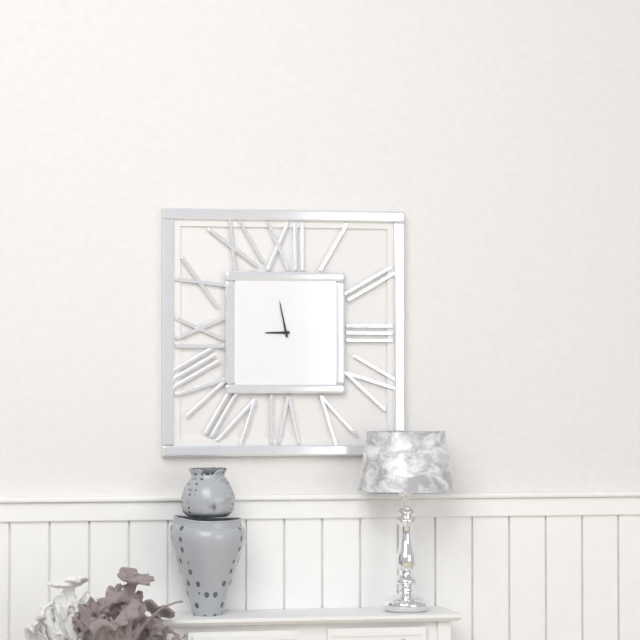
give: {"hour": 8, "minute": 58}
